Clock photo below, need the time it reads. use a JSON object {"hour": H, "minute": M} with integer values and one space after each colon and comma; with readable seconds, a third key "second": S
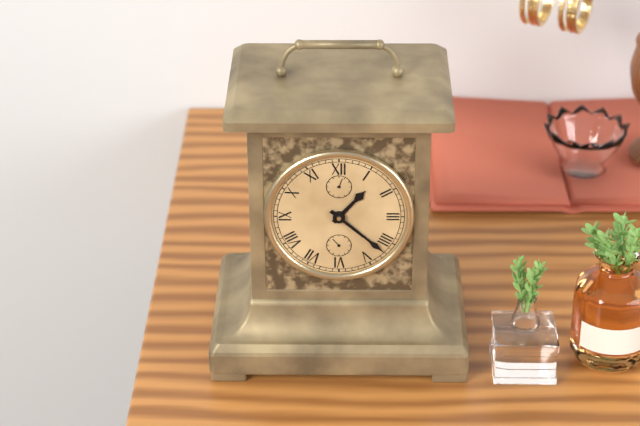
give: {"hour": 1, "minute": 22}
